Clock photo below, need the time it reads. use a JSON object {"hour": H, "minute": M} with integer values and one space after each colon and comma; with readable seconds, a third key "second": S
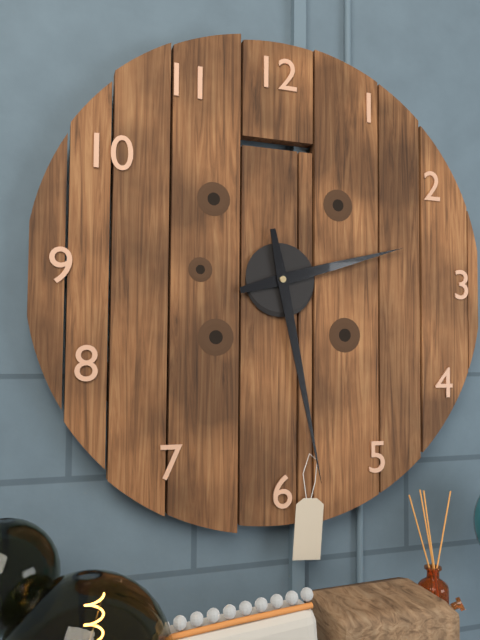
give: {"hour": 2, "minute": 28}
